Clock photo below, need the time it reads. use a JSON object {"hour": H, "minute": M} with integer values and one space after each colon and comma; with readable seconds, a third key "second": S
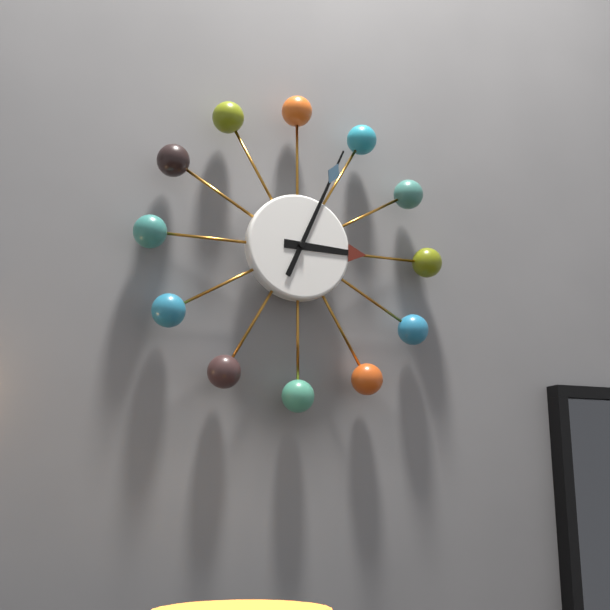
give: {"hour": 3, "minute": 4}
